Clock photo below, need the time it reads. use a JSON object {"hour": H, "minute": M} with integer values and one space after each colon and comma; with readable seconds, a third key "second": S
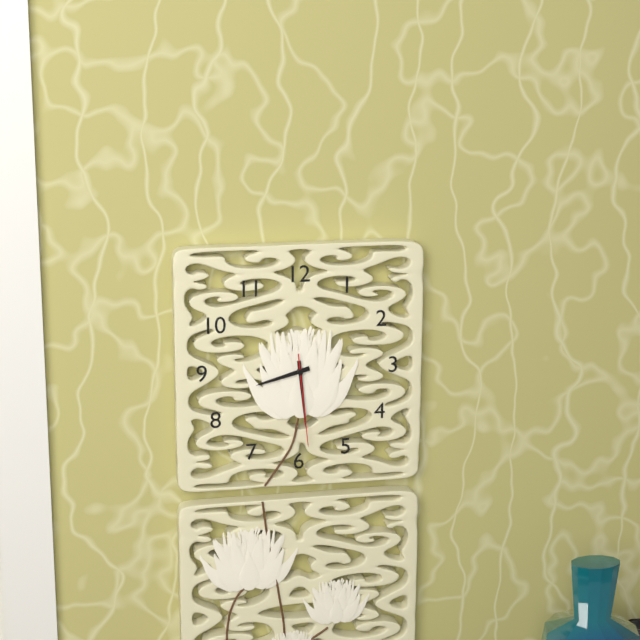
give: {"hour": 8, "minute": 29, "second": 29}
